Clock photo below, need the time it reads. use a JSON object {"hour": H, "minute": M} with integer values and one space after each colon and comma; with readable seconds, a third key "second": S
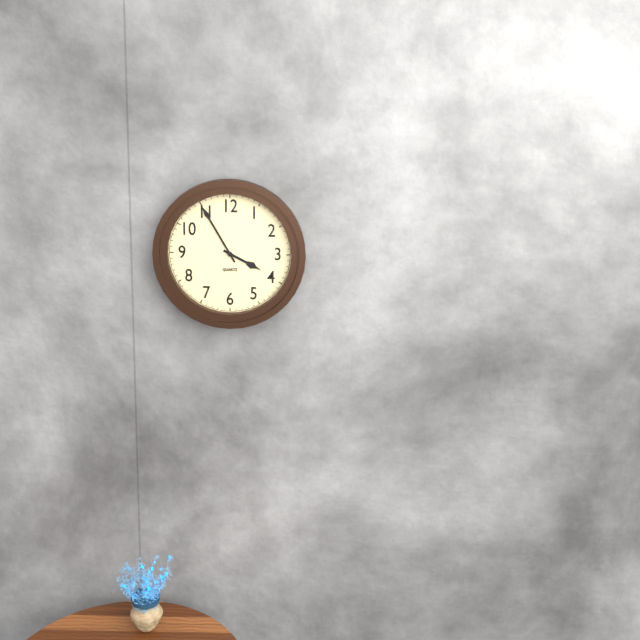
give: {"hour": 3, "minute": 55}
